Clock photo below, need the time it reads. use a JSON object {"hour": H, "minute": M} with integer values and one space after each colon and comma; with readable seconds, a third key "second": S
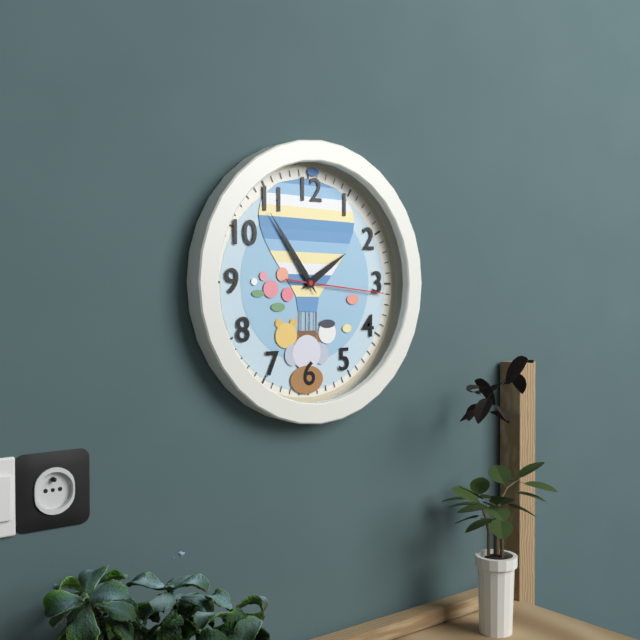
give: {"hour": 1, "minute": 54, "second": 16}
